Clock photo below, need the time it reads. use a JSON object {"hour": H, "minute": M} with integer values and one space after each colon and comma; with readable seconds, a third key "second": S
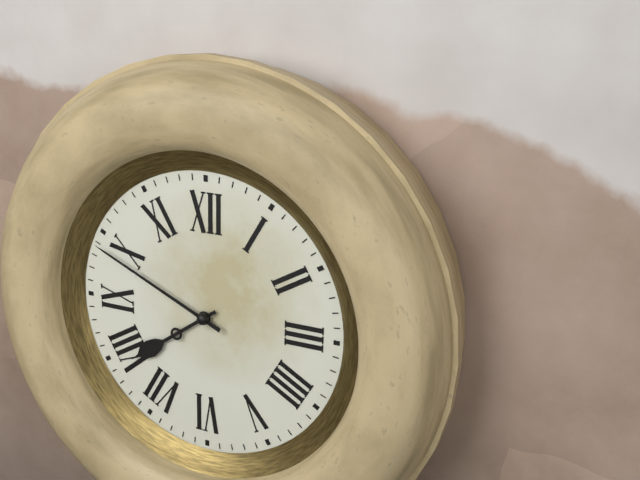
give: {"hour": 7, "minute": 49}
